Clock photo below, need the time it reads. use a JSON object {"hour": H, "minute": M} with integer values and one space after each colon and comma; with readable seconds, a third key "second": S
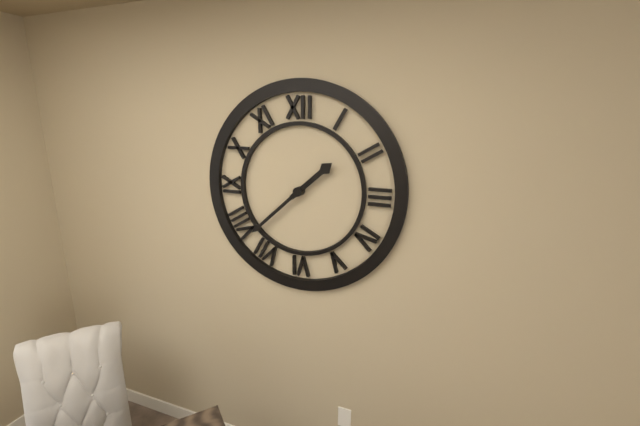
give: {"hour": 1, "minute": 38}
